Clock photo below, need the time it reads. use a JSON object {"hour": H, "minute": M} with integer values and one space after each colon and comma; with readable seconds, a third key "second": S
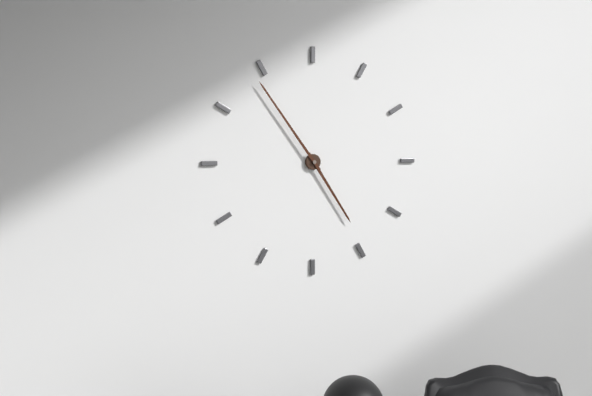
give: {"hour": 4, "minute": 54}
